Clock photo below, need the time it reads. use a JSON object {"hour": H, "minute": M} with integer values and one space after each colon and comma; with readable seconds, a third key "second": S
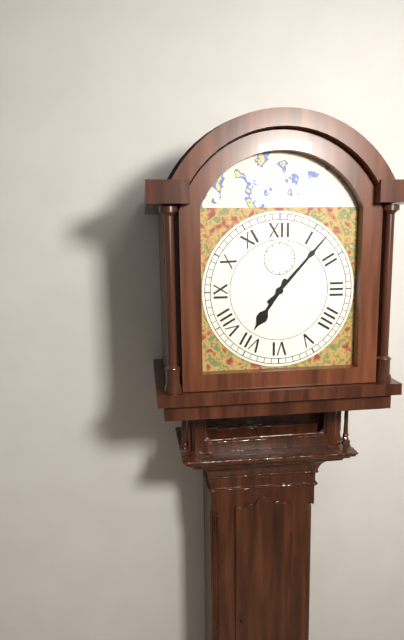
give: {"hour": 7, "minute": 7}
